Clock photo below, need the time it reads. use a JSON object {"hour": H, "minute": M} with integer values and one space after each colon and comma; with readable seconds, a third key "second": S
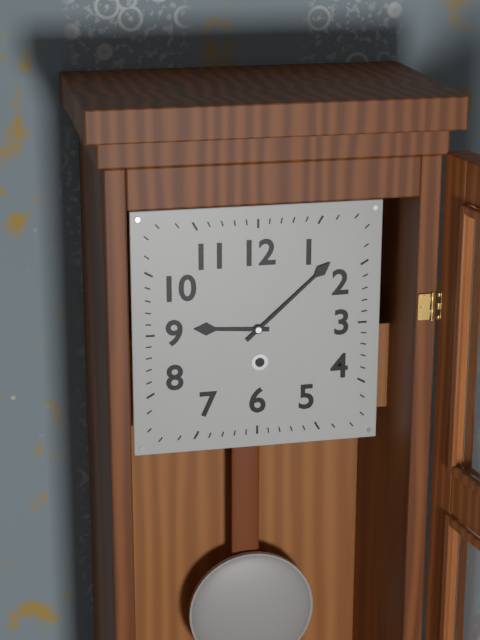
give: {"hour": 9, "minute": 8}
